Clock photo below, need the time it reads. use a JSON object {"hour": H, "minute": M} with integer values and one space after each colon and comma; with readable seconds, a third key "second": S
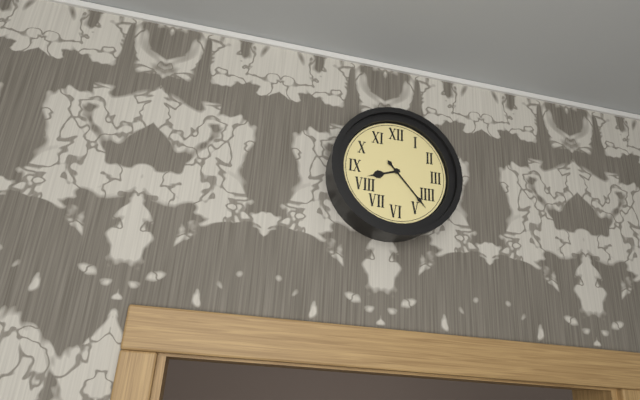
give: {"hour": 8, "minute": 23}
